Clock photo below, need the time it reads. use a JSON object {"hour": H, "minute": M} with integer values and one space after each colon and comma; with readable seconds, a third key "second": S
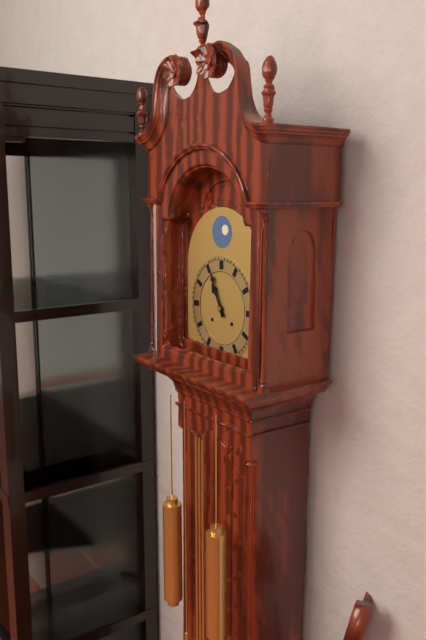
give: {"hour": 10, "minute": 56}
